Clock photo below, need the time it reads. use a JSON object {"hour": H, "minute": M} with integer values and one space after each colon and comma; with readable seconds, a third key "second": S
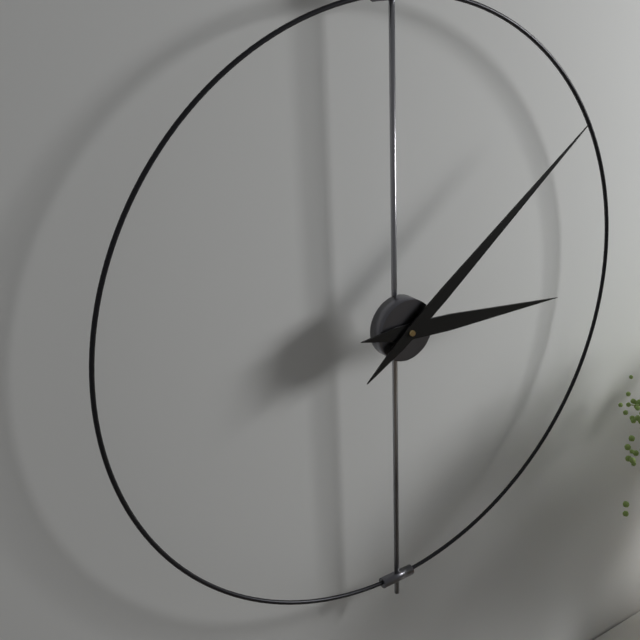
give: {"hour": 3, "minute": 9}
